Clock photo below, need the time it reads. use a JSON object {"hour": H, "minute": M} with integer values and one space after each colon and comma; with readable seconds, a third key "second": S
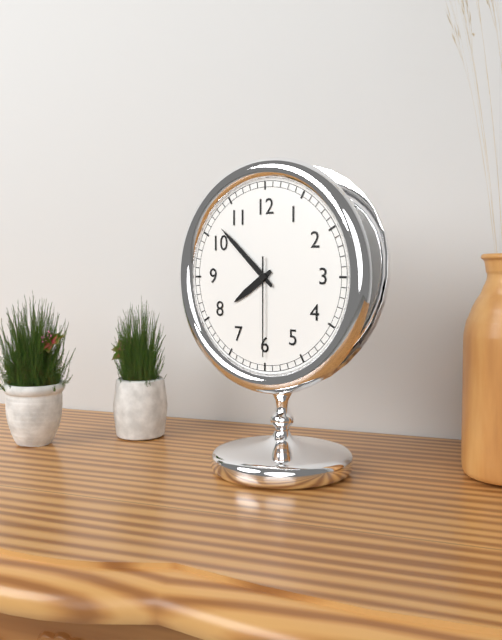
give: {"hour": 7, "minute": 52, "second": 30}
